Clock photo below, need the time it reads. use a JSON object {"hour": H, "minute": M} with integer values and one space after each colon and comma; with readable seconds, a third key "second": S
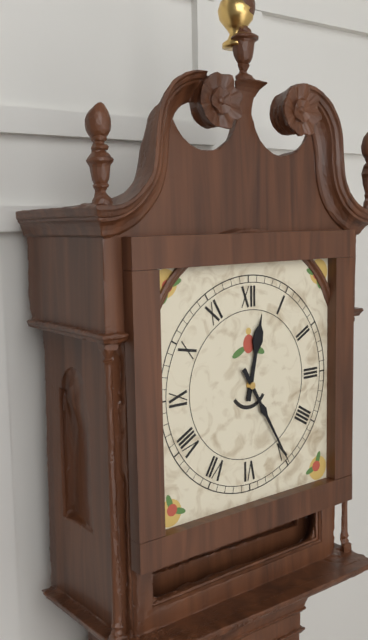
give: {"hour": 12, "minute": 25}
